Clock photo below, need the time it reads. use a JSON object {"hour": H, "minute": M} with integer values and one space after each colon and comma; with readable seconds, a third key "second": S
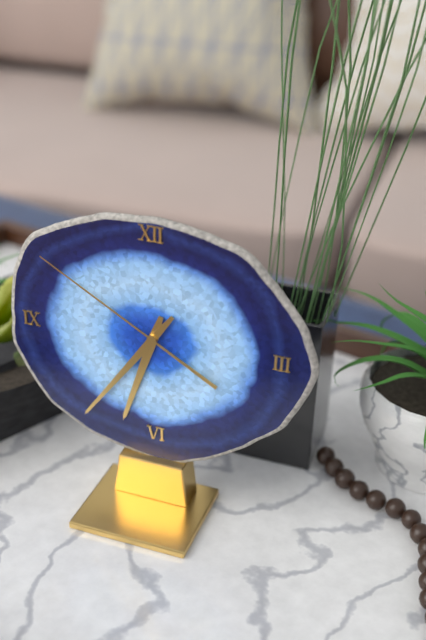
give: {"hour": 6, "minute": 36, "second": 50}
